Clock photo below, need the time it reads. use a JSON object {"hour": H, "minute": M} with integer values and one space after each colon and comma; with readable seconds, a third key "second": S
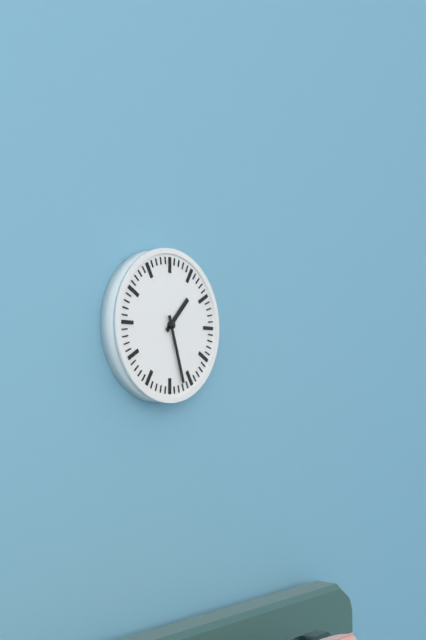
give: {"hour": 1, "minute": 27}
